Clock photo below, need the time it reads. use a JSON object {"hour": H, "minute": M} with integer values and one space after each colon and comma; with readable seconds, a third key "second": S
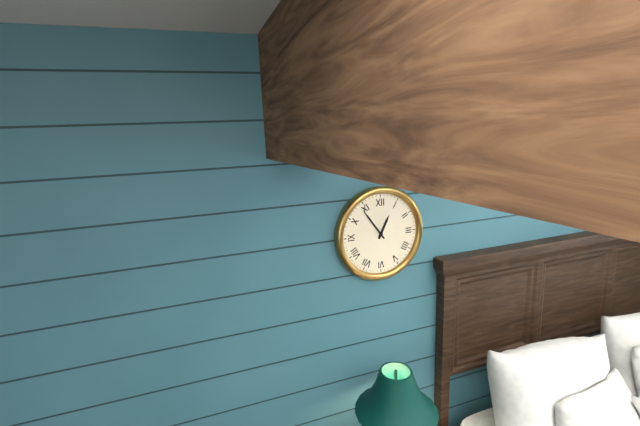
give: {"hour": 12, "minute": 54}
